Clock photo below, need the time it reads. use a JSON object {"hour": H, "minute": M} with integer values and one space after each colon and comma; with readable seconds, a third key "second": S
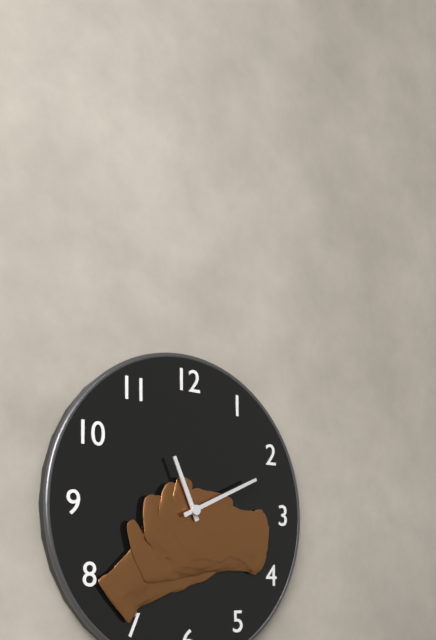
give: {"hour": 11, "minute": 11}
